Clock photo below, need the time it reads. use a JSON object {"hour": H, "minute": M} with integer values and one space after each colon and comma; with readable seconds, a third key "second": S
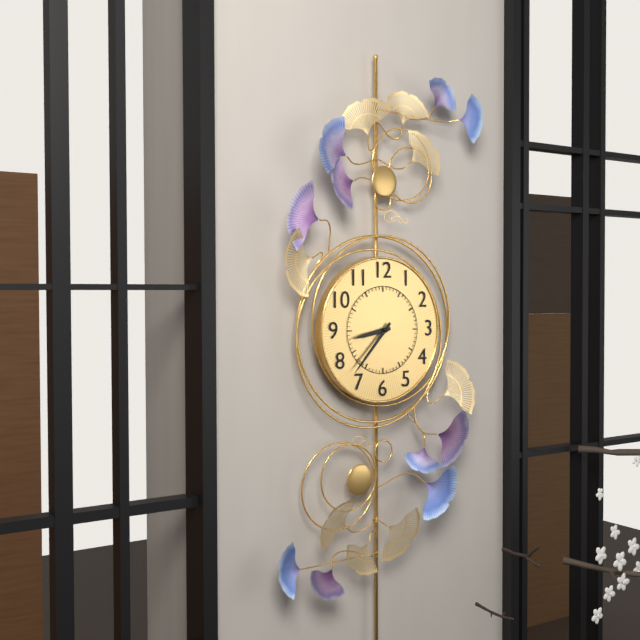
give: {"hour": 8, "minute": 37}
